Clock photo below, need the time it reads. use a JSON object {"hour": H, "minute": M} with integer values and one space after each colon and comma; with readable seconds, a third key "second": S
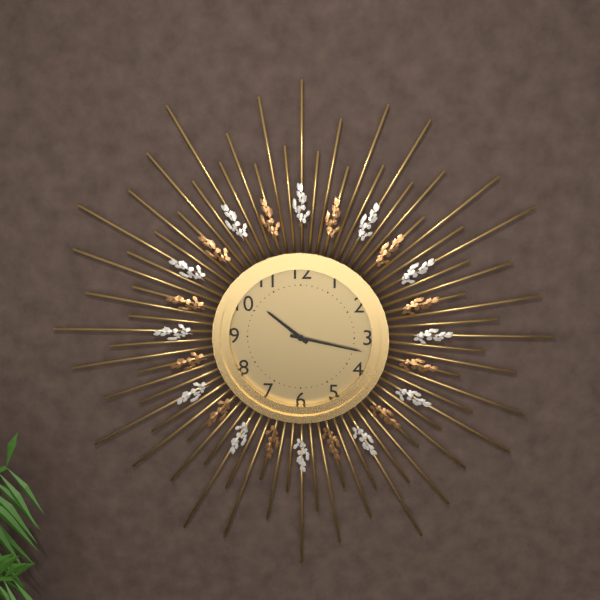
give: {"hour": 10, "minute": 17}
